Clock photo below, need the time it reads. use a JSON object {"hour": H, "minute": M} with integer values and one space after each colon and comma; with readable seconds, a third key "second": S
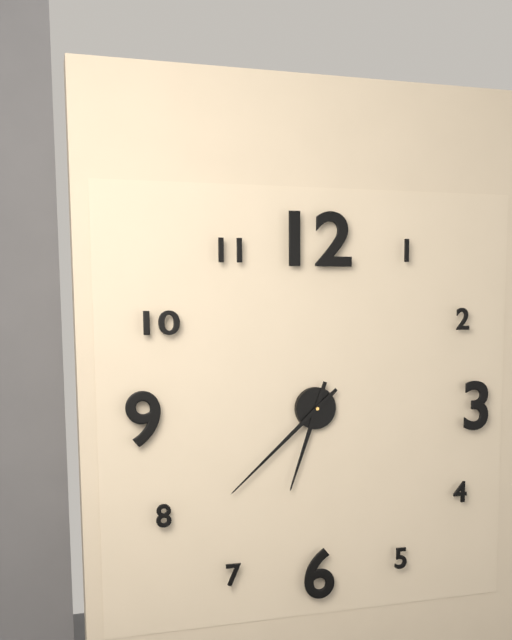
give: {"hour": 6, "minute": 38}
